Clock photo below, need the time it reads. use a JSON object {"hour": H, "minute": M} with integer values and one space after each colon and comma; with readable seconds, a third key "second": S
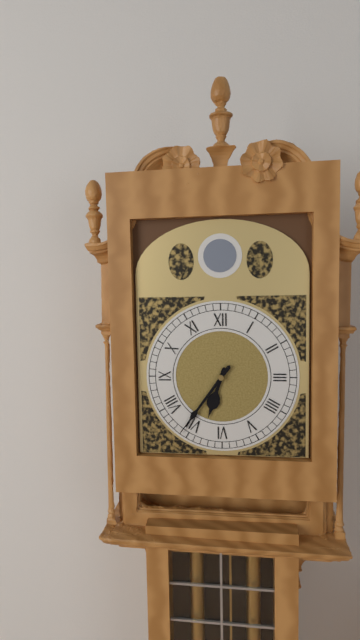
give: {"hour": 6, "minute": 36}
